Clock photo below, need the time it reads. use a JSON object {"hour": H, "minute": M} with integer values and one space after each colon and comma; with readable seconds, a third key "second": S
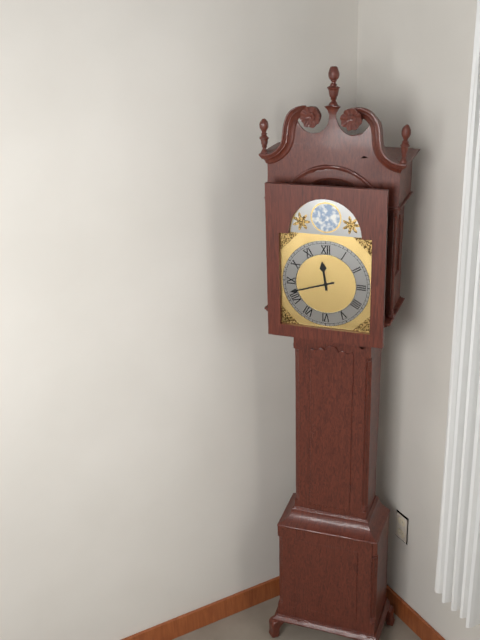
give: {"hour": 11, "minute": 42}
